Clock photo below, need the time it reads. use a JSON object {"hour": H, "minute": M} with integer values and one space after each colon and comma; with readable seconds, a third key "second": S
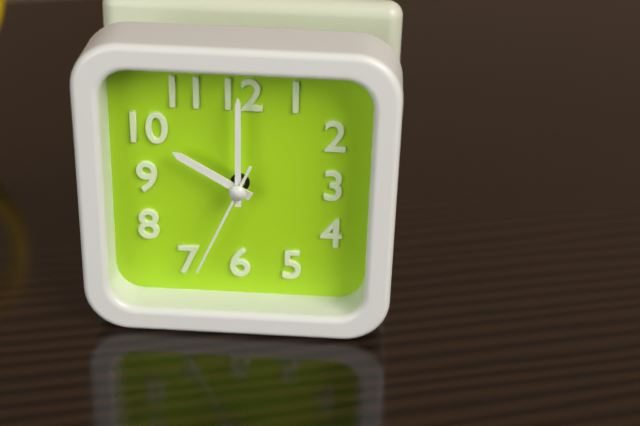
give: {"hour": 10, "minute": 0, "second": 34}
